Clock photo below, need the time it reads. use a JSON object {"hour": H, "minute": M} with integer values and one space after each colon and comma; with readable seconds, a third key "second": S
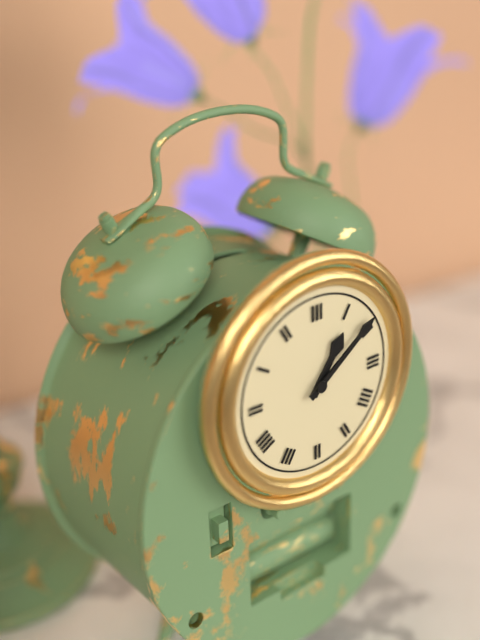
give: {"hour": 1, "minute": 9}
